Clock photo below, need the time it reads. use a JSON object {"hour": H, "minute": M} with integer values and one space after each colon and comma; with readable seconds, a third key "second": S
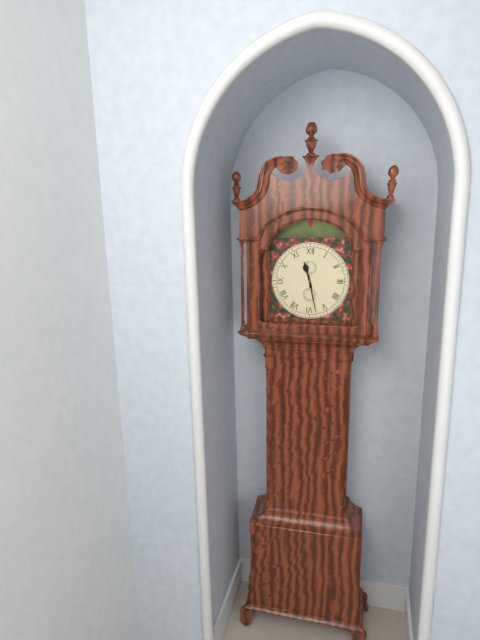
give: {"hour": 11, "minute": 28}
